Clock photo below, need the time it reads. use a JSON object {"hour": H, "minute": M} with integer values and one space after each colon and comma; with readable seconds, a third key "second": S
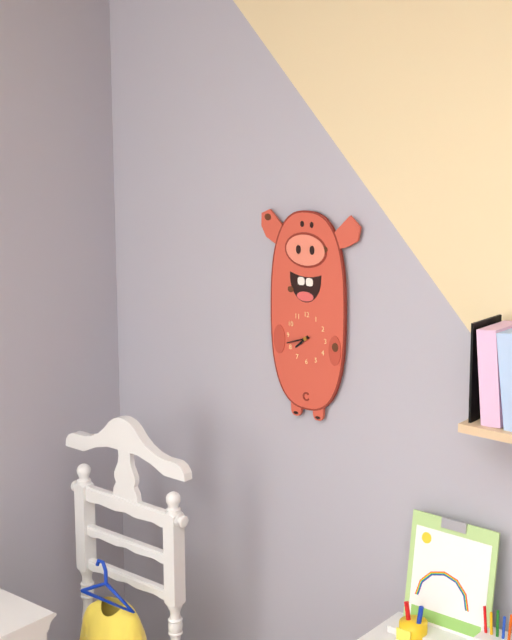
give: {"hour": 7, "minute": 42}
